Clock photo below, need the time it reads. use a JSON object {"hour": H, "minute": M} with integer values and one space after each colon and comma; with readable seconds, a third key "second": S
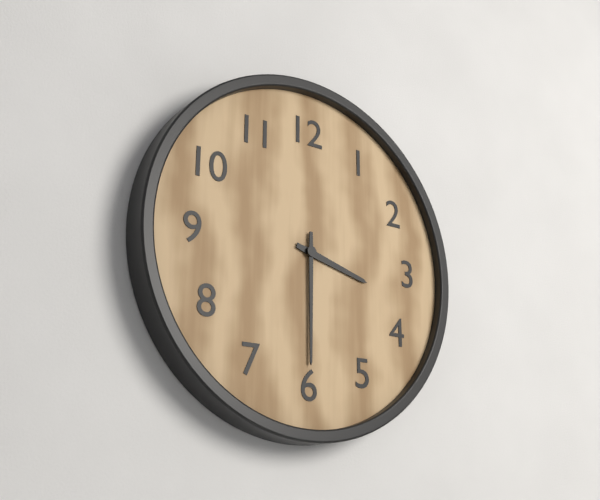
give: {"hour": 3, "minute": 30}
